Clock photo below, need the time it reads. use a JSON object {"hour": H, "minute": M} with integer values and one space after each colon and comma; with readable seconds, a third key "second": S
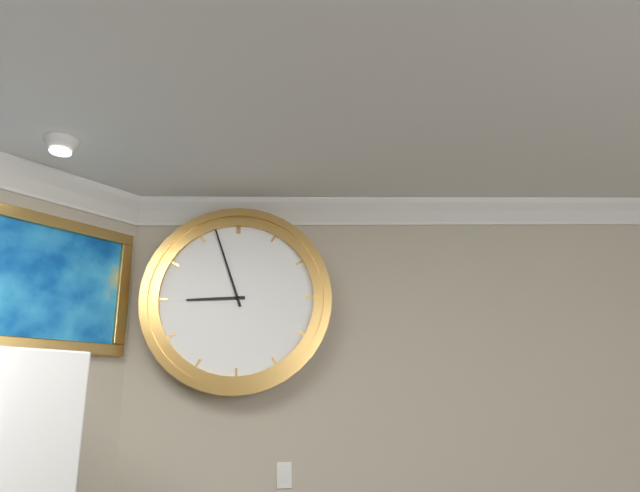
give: {"hour": 8, "minute": 57}
